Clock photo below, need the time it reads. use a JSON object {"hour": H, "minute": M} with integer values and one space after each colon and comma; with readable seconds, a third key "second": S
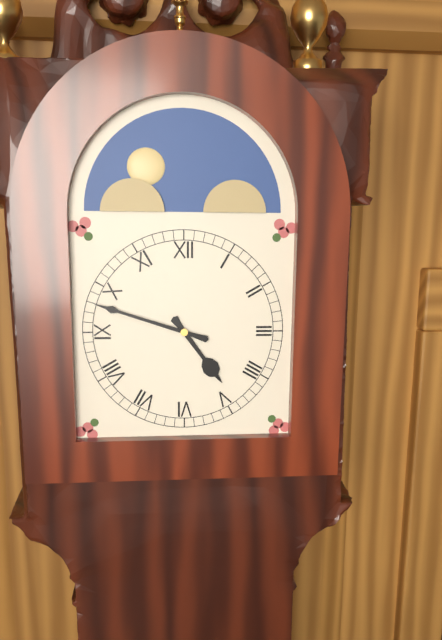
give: {"hour": 4, "minute": 48}
